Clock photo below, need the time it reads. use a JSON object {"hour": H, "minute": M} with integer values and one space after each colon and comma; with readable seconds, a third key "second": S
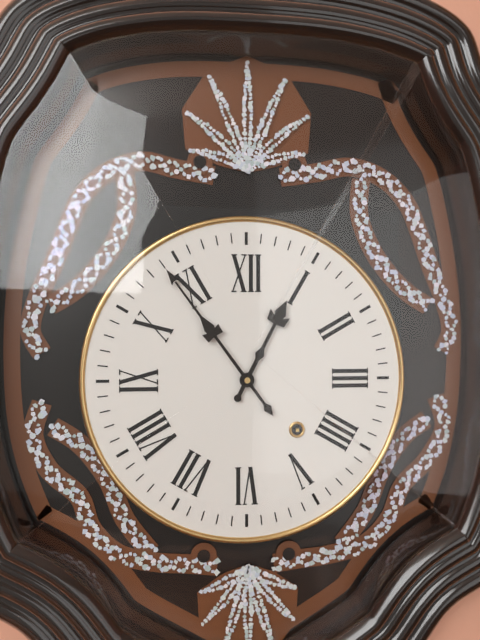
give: {"hour": 12, "minute": 54}
